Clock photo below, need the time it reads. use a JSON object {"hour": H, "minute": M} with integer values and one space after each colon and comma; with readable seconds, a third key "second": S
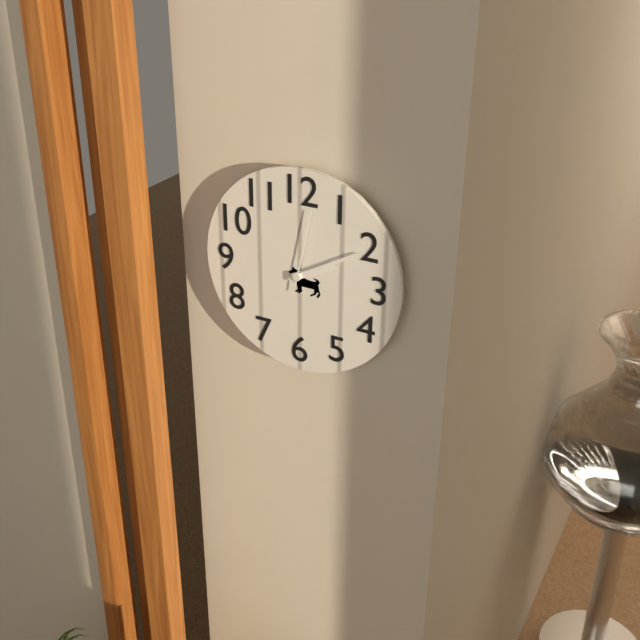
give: {"hour": 2, "minute": 10, "second": 2}
